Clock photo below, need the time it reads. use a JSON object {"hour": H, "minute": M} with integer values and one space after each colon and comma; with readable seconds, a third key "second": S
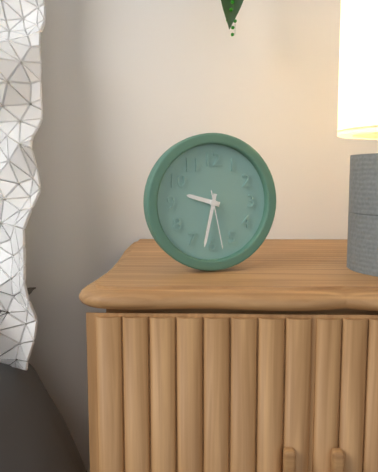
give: {"hour": 9, "minute": 32, "second": 28}
